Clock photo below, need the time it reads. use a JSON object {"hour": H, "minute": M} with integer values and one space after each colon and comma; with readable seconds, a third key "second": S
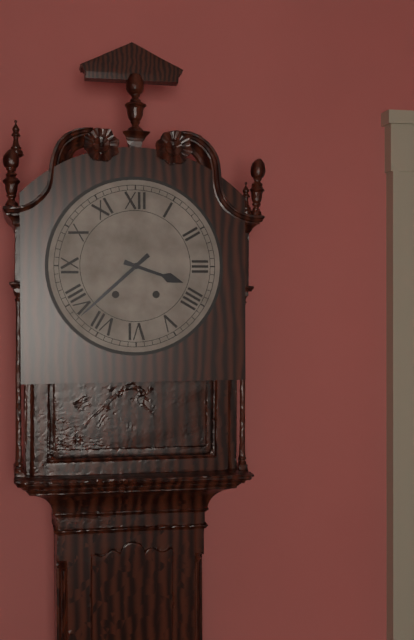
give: {"hour": 3, "minute": 38}
